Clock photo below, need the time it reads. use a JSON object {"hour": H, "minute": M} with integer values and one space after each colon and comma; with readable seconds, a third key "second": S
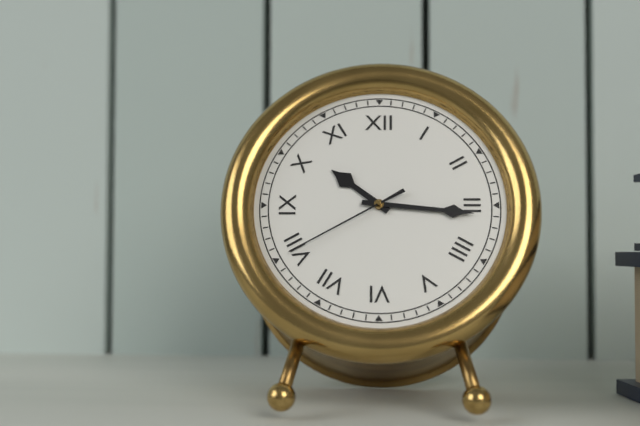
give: {"hour": 10, "minute": 16, "second": 40}
